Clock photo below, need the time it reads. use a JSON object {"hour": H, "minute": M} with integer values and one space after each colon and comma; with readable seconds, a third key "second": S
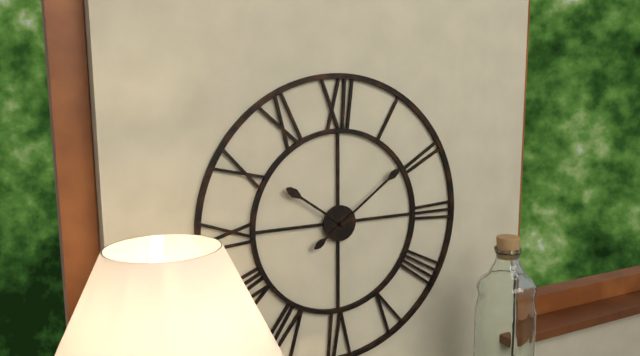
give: {"hour": 10, "minute": 9}
